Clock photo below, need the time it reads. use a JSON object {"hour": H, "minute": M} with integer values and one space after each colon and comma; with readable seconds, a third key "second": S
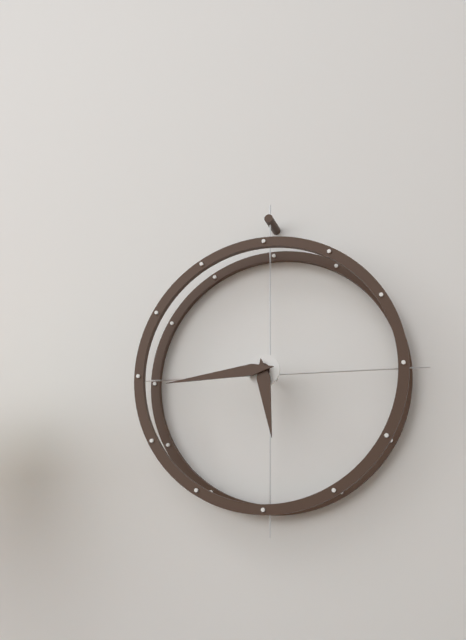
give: {"hour": 5, "minute": 44}
